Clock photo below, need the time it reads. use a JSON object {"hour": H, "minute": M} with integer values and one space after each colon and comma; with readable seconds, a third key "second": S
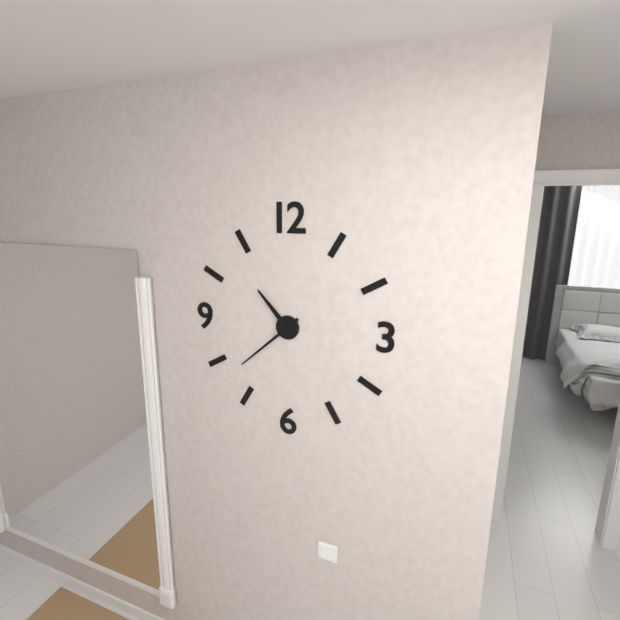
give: {"hour": 10, "minute": 38}
